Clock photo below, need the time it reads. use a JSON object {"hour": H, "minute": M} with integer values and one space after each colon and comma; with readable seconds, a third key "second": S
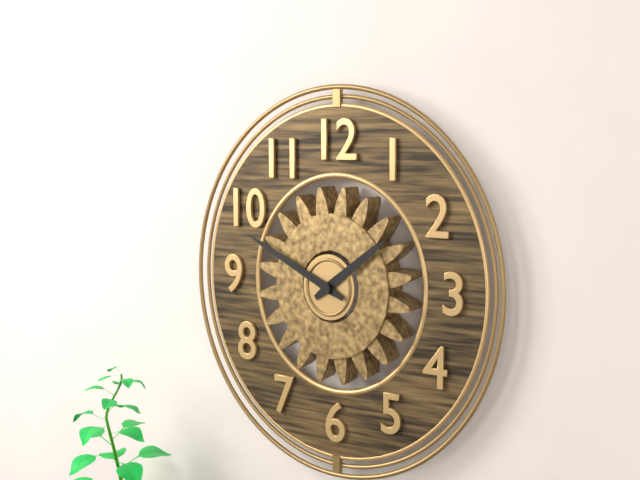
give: {"hour": 1, "minute": 49}
